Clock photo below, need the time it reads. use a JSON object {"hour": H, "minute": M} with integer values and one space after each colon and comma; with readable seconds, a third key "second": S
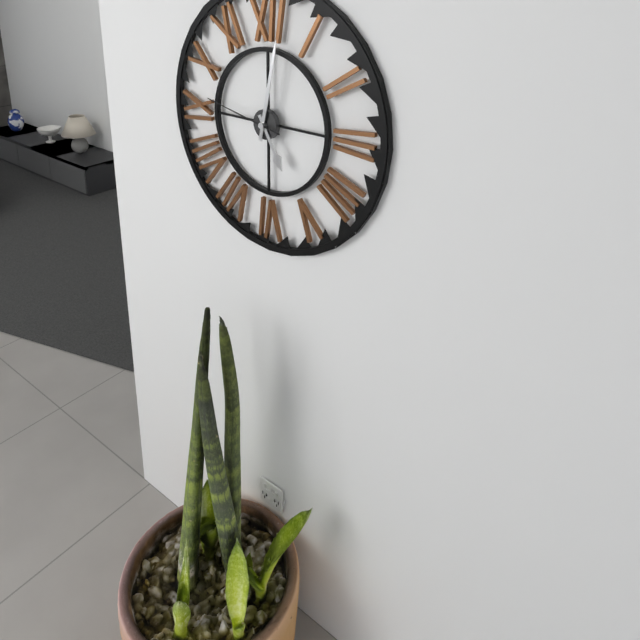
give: {"hour": 5, "minute": 2, "second": 47}
